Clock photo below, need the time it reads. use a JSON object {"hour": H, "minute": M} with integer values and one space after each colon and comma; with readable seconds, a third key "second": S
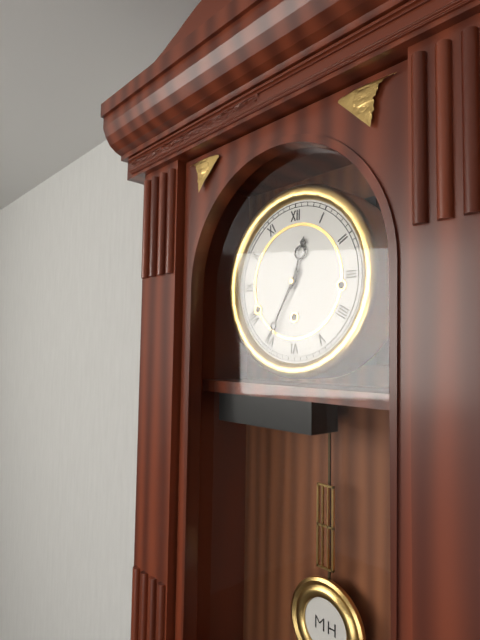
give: {"hour": 12, "minute": 35}
